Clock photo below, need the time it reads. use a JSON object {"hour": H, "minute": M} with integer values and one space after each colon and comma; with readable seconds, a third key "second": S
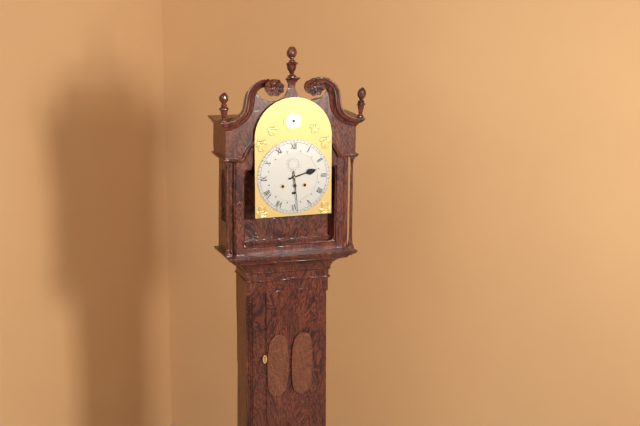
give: {"hour": 2, "minute": 29}
